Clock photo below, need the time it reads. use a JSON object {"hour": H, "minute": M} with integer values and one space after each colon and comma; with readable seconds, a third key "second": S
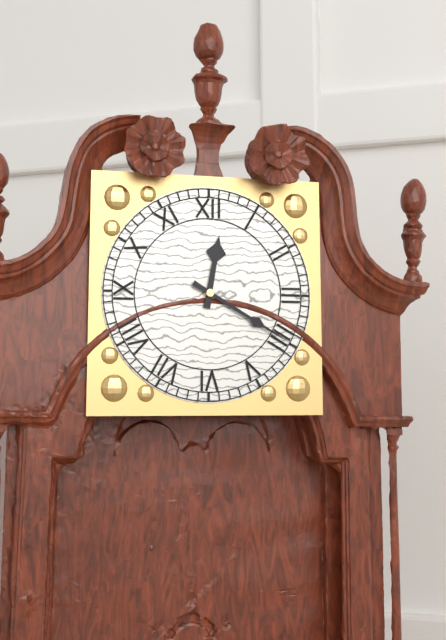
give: {"hour": 12, "minute": 20}
